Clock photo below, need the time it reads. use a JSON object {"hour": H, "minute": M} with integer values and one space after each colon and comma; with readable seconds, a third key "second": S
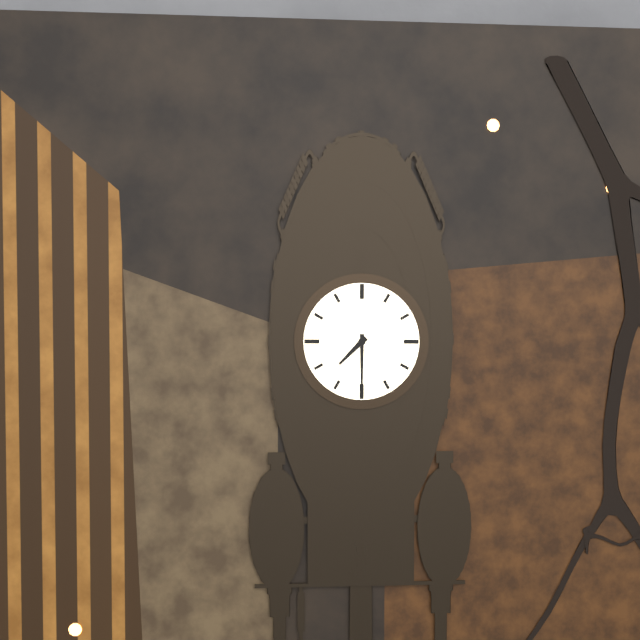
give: {"hour": 7, "minute": 30}
